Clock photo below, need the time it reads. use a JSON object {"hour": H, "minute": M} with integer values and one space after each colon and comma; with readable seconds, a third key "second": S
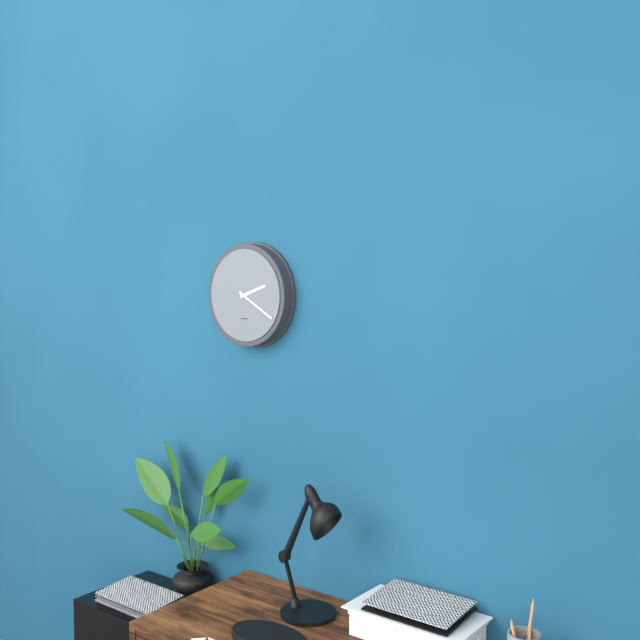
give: {"hour": 2, "minute": 20}
